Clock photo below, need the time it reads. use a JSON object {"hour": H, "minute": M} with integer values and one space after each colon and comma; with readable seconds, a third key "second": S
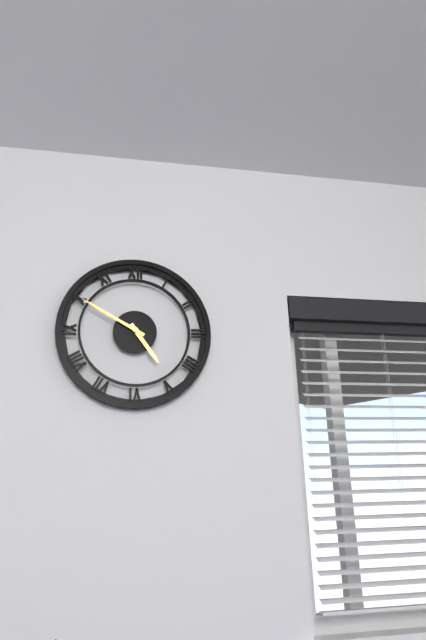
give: {"hour": 4, "minute": 50}
